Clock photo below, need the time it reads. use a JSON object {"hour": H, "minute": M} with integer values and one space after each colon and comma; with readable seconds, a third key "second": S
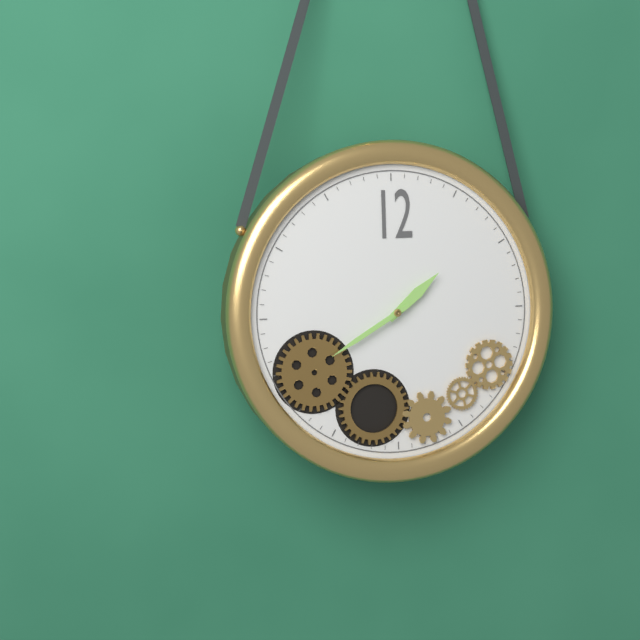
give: {"hour": 1, "minute": 40}
